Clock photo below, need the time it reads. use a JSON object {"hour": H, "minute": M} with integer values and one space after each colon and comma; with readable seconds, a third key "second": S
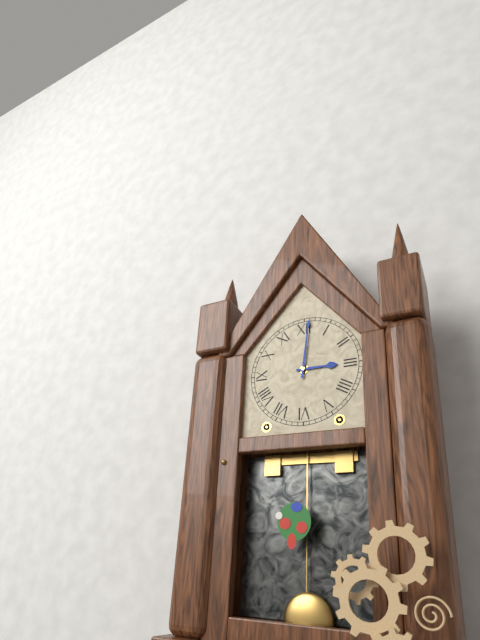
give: {"hour": 3, "minute": 1}
